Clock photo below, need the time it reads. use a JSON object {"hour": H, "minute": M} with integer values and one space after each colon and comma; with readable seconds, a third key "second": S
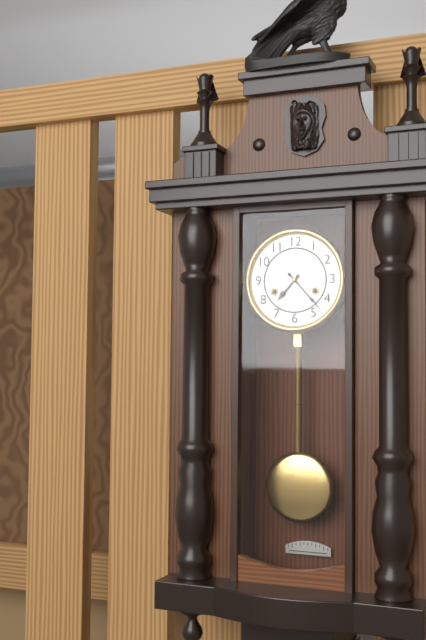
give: {"hour": 7, "minute": 23}
